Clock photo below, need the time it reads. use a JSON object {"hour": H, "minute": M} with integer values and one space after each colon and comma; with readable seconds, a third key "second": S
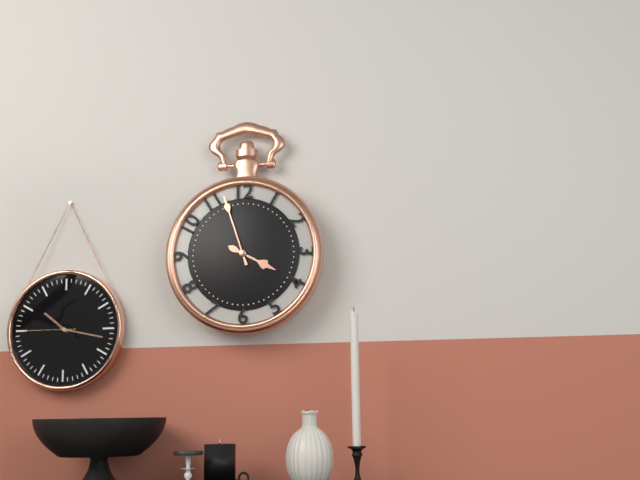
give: {"hour": 3, "minute": 57}
